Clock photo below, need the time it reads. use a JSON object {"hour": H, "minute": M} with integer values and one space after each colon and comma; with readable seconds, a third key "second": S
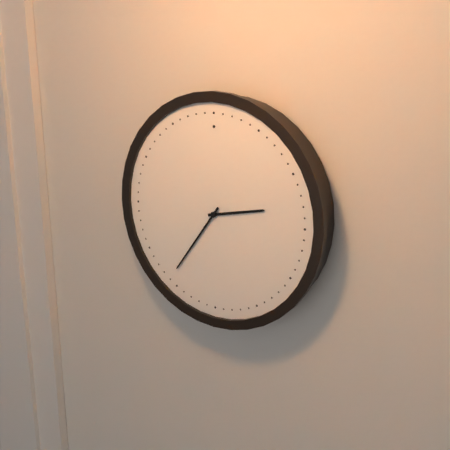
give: {"hour": 2, "minute": 36}
